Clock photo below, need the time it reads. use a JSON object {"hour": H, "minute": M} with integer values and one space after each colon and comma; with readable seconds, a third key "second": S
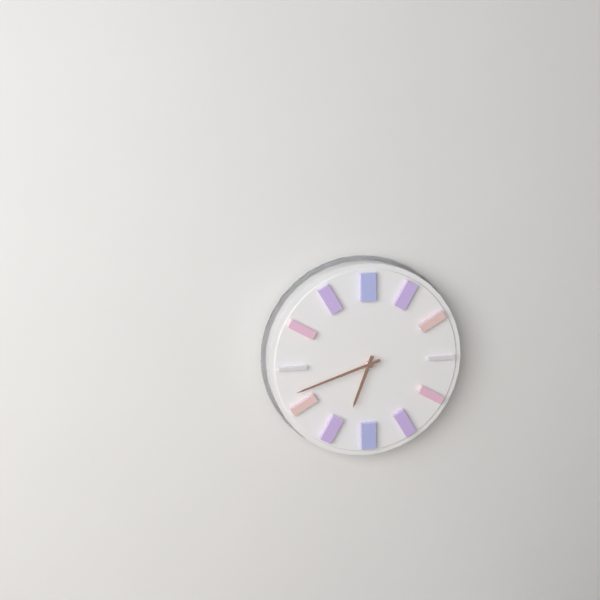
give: {"hour": 6, "minute": 42}
